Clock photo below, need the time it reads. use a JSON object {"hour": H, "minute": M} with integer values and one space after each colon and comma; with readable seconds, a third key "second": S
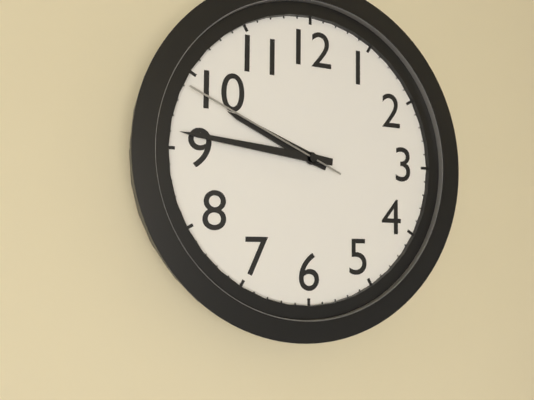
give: {"hour": 9, "minute": 46, "second": 49}
